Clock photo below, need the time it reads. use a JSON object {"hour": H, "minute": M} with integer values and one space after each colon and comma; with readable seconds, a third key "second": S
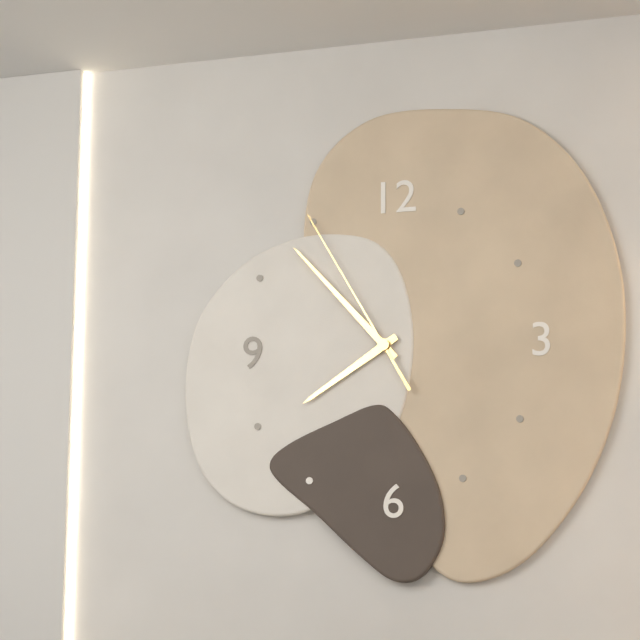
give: {"hour": 7, "minute": 53, "second": 55}
